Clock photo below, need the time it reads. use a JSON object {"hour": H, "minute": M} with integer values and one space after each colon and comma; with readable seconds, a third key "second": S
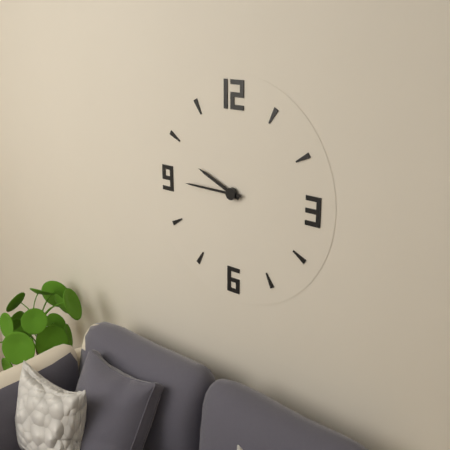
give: {"hour": 9, "minute": 45}
